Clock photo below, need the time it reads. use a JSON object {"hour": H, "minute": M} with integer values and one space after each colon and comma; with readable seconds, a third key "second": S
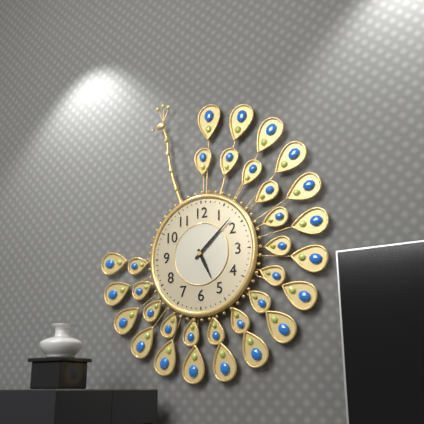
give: {"hour": 5, "minute": 8}
